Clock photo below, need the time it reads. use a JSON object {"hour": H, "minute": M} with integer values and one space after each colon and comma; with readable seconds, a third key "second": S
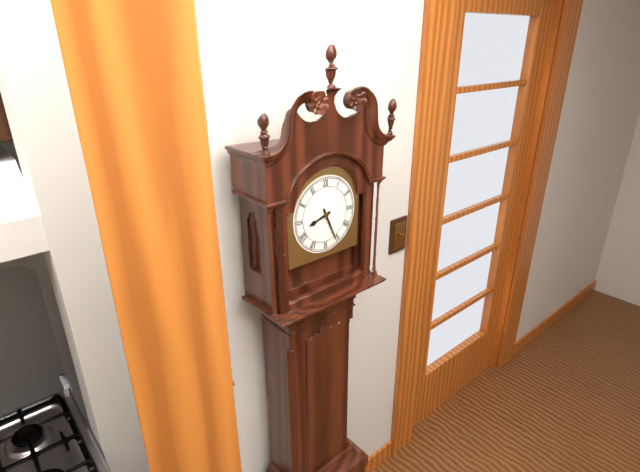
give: {"hour": 8, "minute": 26}
